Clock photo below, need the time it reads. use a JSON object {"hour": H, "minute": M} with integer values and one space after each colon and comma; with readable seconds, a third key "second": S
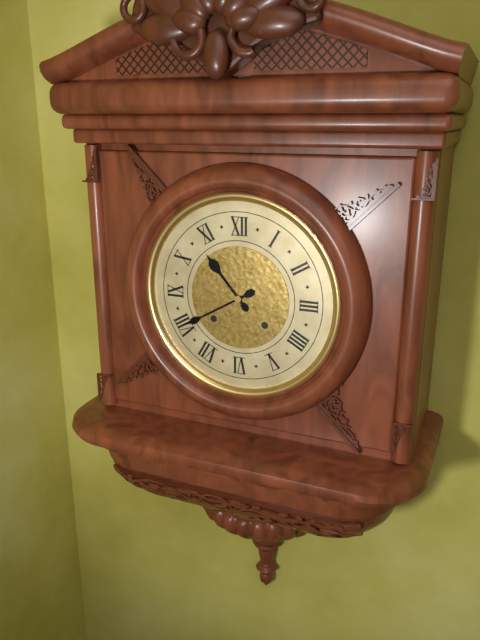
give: {"hour": 10, "minute": 40}
